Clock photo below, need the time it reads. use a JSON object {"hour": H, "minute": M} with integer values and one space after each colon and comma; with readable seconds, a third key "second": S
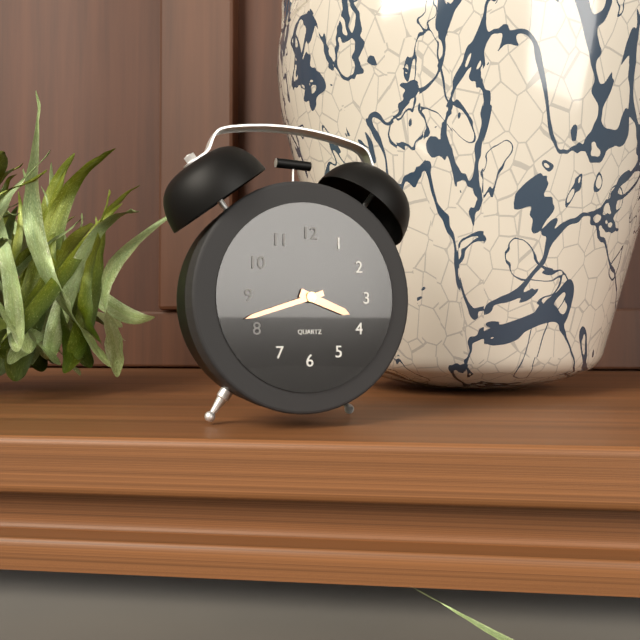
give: {"hour": 3, "minute": 42}
